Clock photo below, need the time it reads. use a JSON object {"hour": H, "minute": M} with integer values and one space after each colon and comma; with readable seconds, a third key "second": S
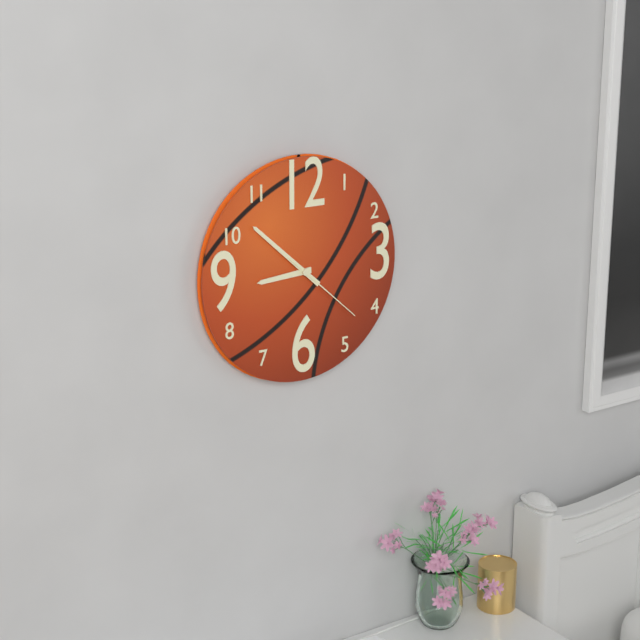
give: {"hour": 8, "minute": 52, "second": 22}
